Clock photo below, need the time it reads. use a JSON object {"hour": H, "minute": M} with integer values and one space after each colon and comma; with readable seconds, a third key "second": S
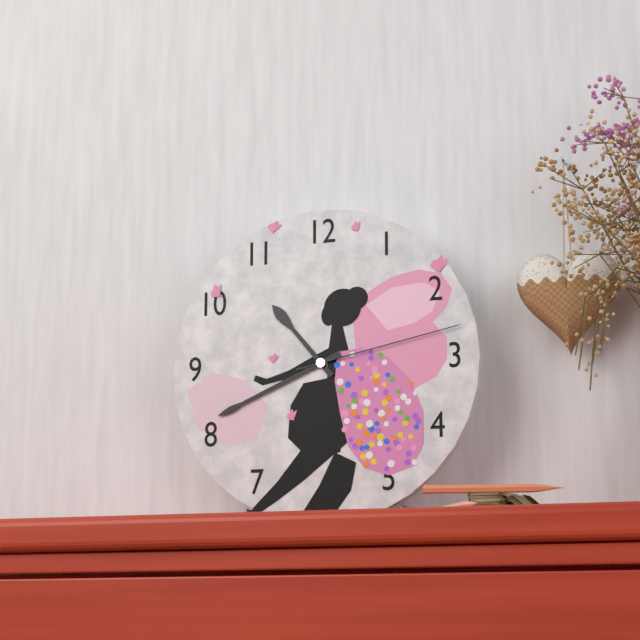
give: {"hour": 10, "minute": 41, "second": 13}
